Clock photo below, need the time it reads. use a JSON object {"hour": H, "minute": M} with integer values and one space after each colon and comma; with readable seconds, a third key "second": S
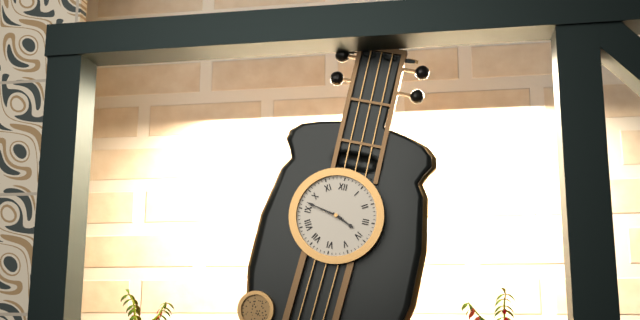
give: {"hour": 3, "minute": 47}
